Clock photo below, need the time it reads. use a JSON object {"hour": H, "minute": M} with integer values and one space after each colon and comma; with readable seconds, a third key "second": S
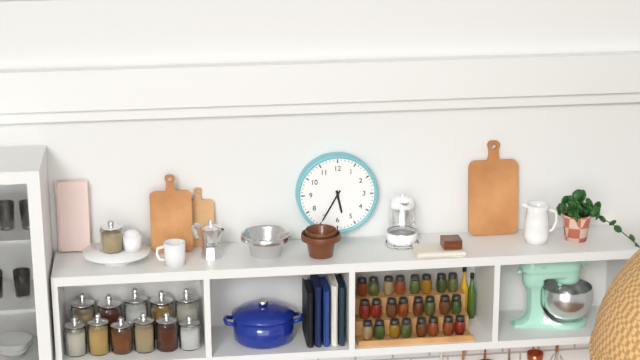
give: {"hour": 5, "minute": 35}
